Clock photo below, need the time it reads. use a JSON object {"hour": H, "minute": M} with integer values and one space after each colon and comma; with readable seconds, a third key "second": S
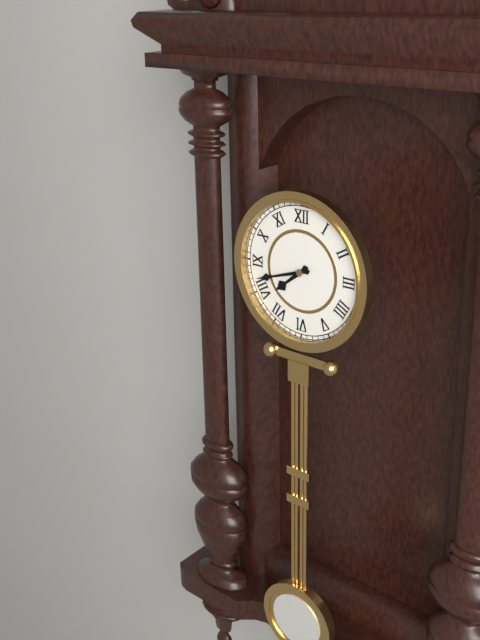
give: {"hour": 7, "minute": 42}
